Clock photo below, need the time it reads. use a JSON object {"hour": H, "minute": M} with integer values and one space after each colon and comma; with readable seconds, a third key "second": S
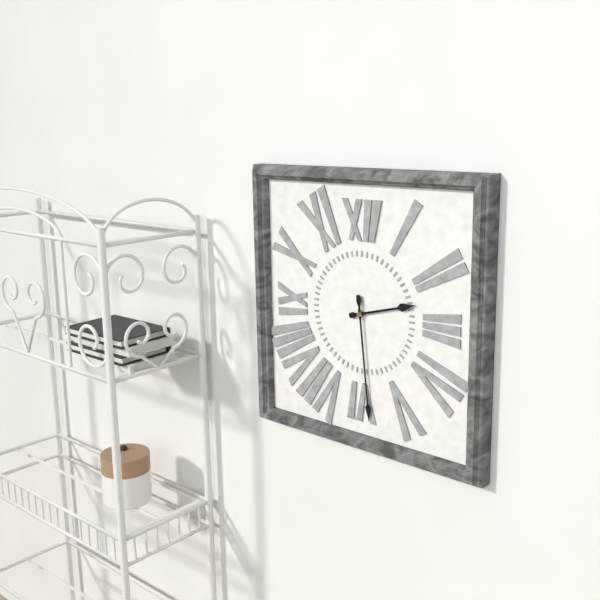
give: {"hour": 2, "minute": 29}
